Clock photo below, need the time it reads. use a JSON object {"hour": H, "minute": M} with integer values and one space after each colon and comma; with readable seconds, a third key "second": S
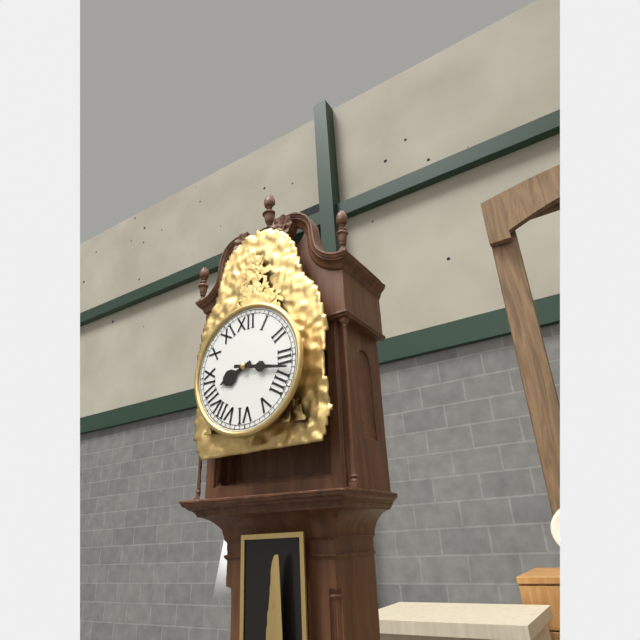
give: {"hour": 8, "minute": 17}
